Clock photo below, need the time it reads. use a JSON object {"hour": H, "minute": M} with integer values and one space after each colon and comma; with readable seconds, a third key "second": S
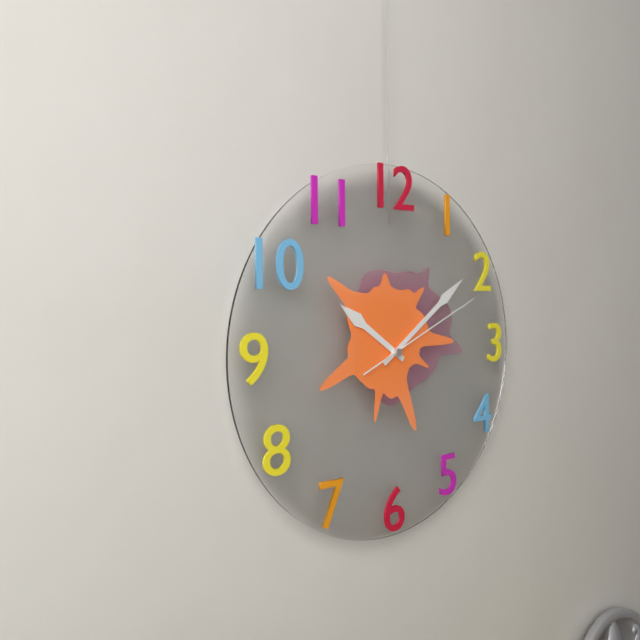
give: {"hour": 10, "minute": 9, "second": 11}
